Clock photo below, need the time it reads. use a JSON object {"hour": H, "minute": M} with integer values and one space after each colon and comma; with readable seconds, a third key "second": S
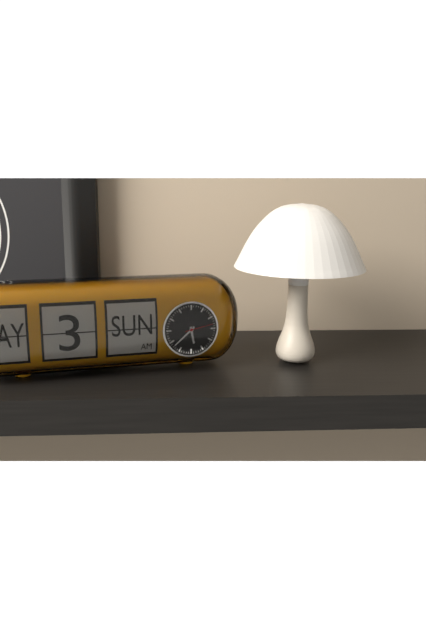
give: {"hour": 5, "minute": 38}
